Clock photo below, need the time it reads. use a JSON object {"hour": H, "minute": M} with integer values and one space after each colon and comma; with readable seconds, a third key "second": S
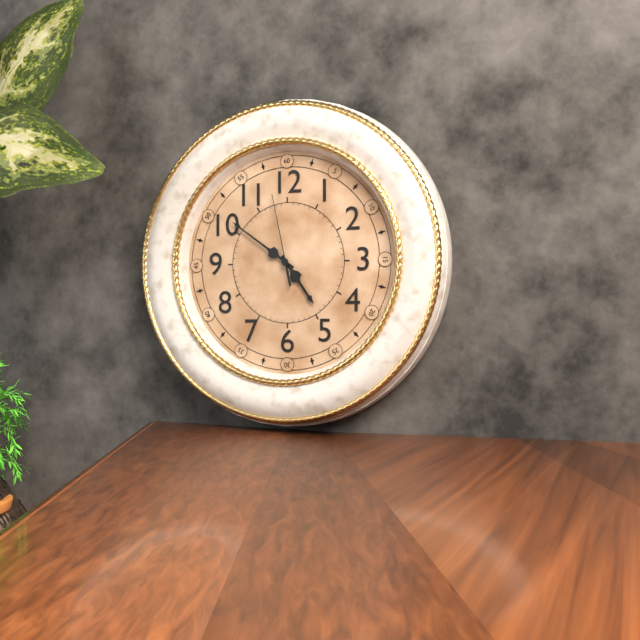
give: {"hour": 4, "minute": 51, "second": 58}
